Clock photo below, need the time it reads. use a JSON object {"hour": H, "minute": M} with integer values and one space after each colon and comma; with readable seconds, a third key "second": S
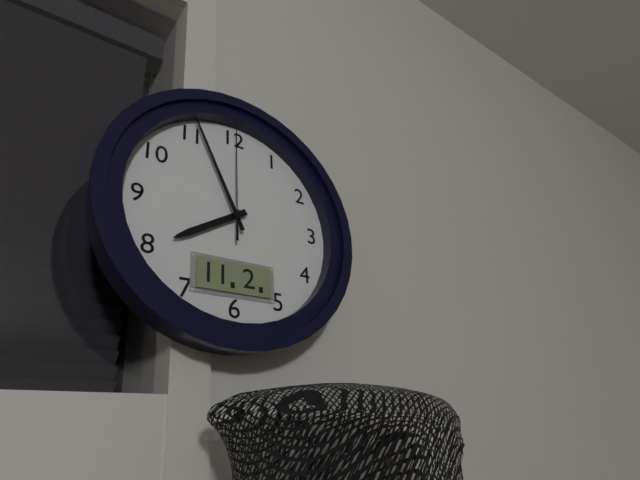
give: {"hour": 7, "minute": 56, "second": 0}
